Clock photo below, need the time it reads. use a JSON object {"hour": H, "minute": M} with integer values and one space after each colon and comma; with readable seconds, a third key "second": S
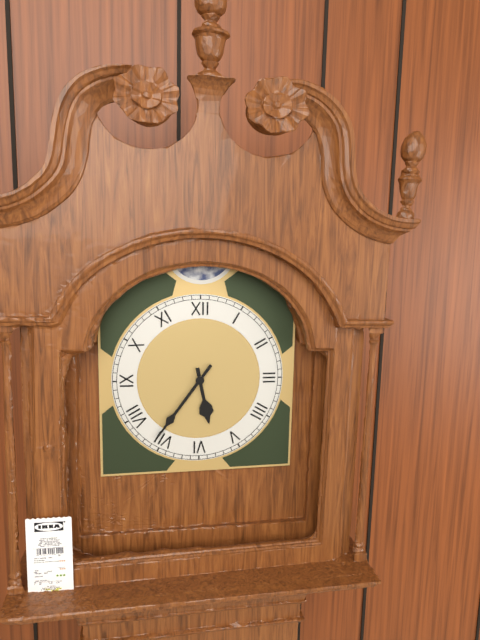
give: {"hour": 5, "minute": 36}
